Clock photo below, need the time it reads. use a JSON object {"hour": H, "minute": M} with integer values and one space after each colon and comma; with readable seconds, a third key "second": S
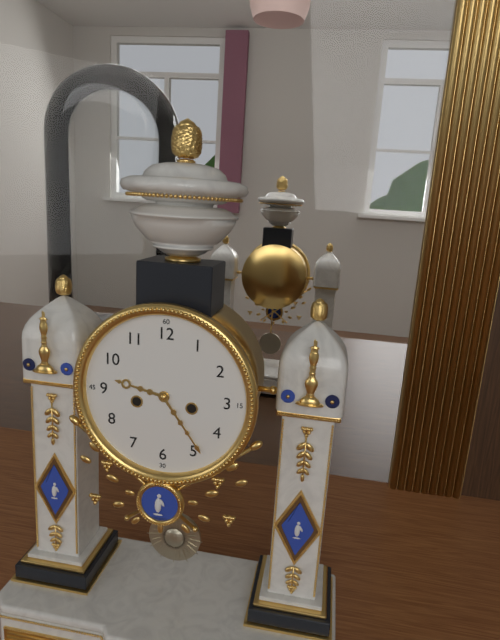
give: {"hour": 9, "minute": 24}
